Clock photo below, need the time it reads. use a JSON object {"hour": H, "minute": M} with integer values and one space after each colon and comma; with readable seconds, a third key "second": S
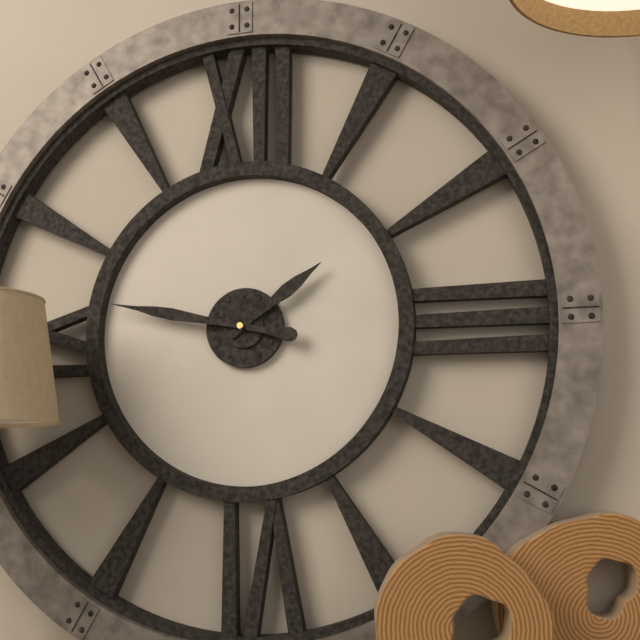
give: {"hour": 1, "minute": 47}
